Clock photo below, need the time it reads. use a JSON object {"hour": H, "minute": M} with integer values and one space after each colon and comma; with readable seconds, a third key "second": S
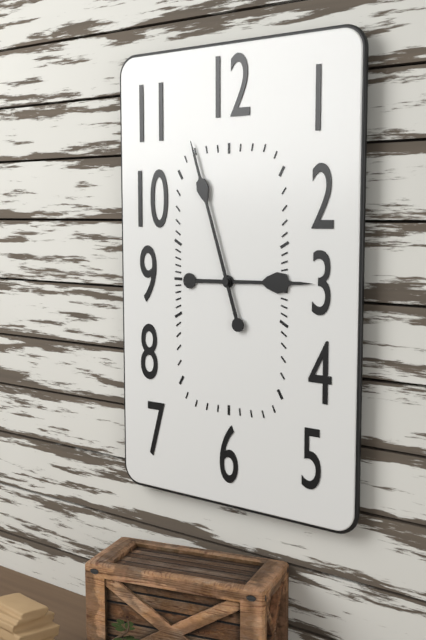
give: {"hour": 2, "minute": 57}
